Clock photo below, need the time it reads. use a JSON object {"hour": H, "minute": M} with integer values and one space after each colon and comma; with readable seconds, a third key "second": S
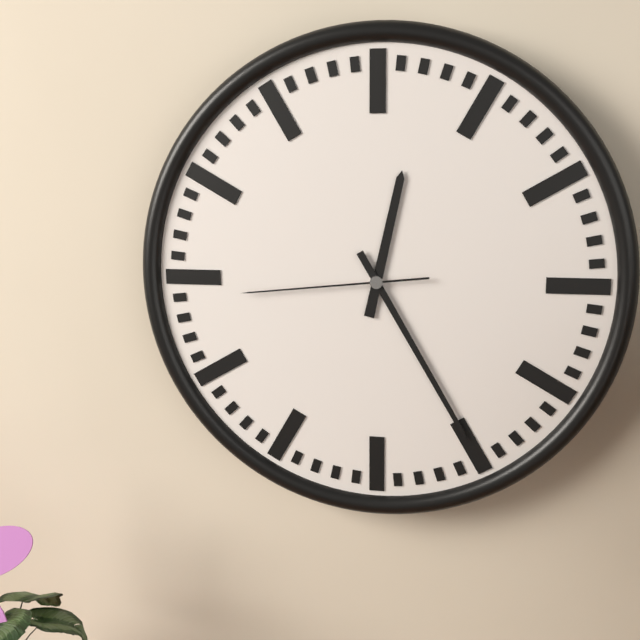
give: {"hour": 12, "minute": 25, "second": 44}
